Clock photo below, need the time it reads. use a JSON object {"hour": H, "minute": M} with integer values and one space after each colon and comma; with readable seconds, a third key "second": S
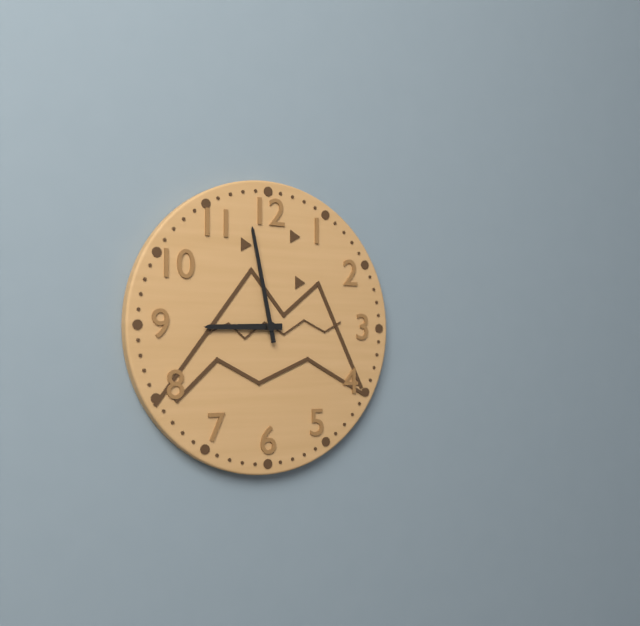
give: {"hour": 8, "minute": 58}
